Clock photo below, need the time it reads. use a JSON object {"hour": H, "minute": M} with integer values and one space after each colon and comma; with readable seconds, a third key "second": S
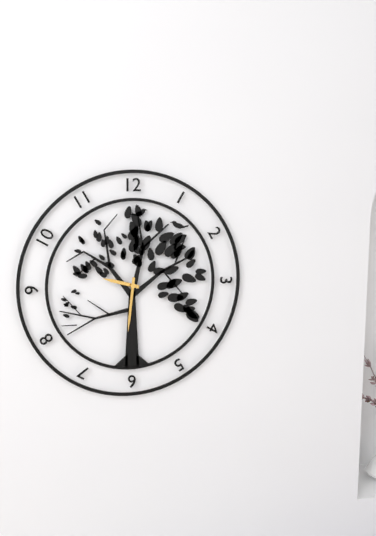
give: {"hour": 9, "minute": 31}
